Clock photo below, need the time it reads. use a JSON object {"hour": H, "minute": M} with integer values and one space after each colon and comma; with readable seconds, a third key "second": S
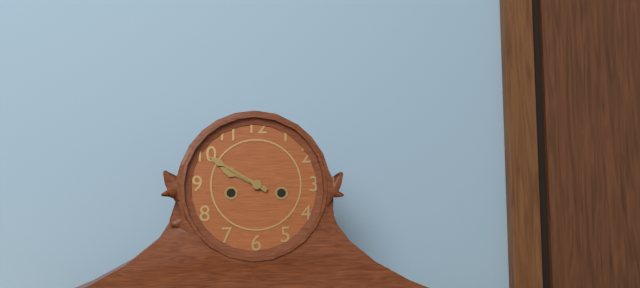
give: {"hour": 9, "minute": 50}
